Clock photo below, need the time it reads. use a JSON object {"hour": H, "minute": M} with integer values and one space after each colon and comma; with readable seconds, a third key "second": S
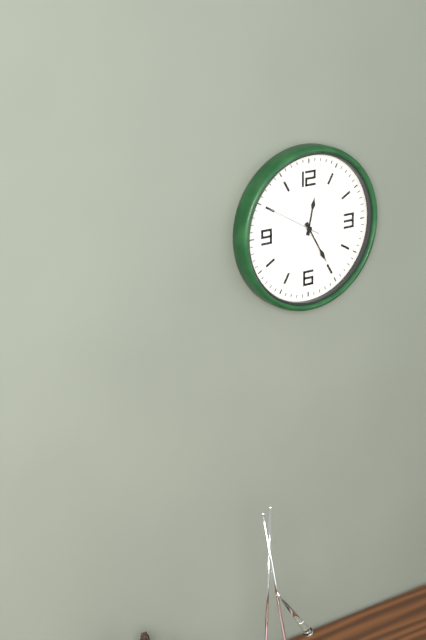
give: {"hour": 12, "minute": 25}
